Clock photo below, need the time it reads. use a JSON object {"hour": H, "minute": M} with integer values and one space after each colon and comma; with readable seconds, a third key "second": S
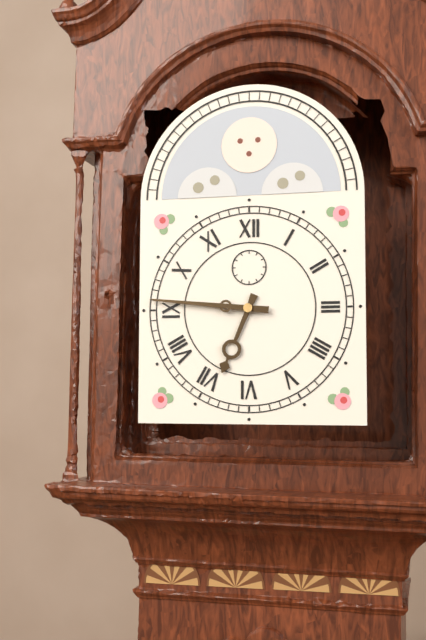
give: {"hour": 6, "minute": 46}
